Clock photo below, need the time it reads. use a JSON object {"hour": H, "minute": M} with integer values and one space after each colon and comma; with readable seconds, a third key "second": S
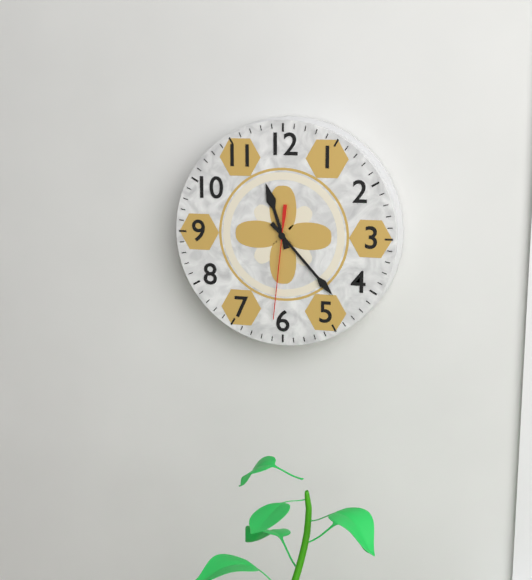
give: {"hour": 11, "minute": 23, "second": 31}
